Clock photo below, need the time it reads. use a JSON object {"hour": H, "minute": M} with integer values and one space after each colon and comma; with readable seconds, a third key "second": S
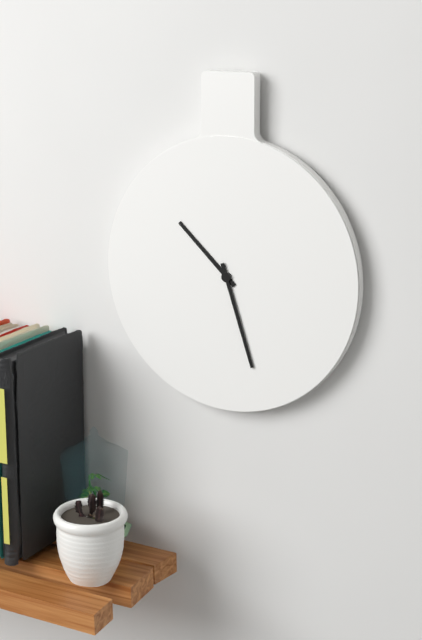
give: {"hour": 10, "minute": 27}
